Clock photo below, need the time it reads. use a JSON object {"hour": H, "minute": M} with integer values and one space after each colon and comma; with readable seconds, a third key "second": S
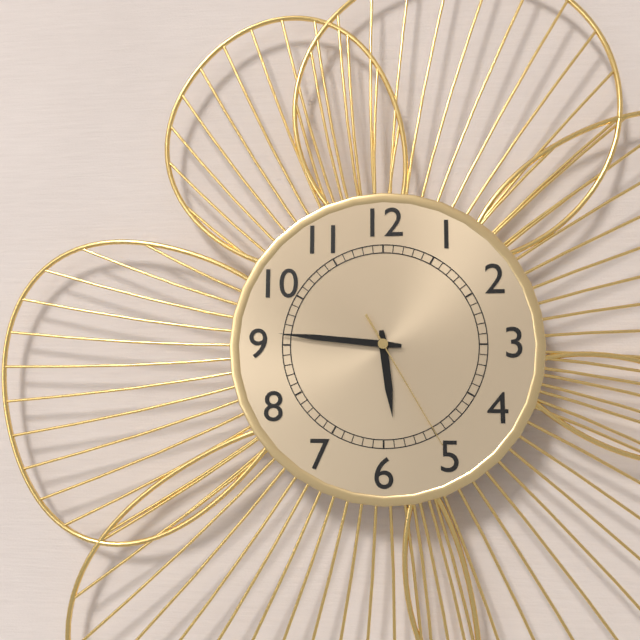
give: {"hour": 5, "minute": 46, "second": 25}
